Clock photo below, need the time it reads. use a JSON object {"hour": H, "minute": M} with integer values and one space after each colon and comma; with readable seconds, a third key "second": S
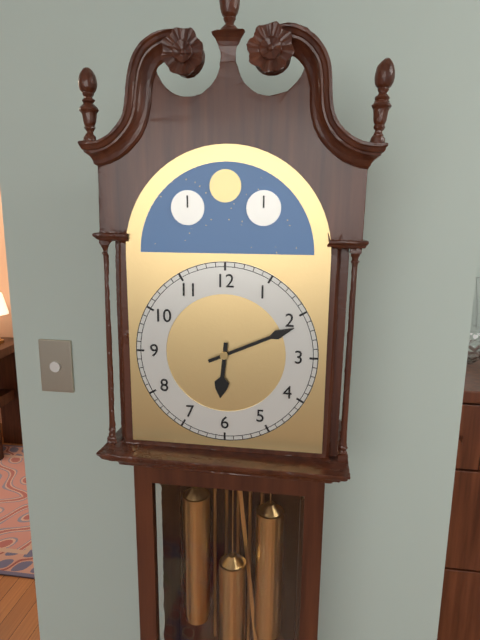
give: {"hour": 6, "minute": 11}
